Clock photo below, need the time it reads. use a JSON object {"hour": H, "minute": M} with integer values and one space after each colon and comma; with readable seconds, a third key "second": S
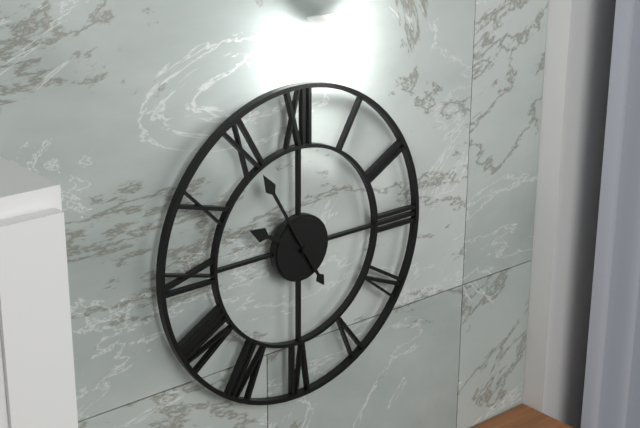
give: {"hour": 9, "minute": 55}
